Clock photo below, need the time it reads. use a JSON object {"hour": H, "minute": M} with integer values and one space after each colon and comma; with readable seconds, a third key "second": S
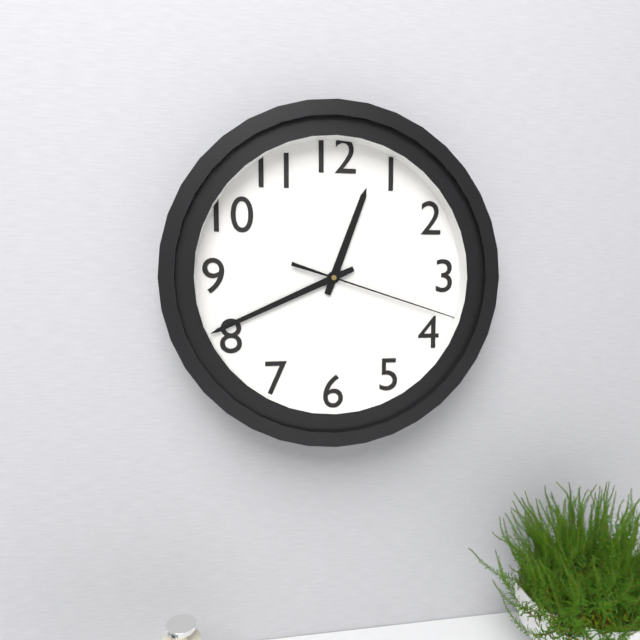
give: {"hour": 12, "minute": 41, "second": 18}
